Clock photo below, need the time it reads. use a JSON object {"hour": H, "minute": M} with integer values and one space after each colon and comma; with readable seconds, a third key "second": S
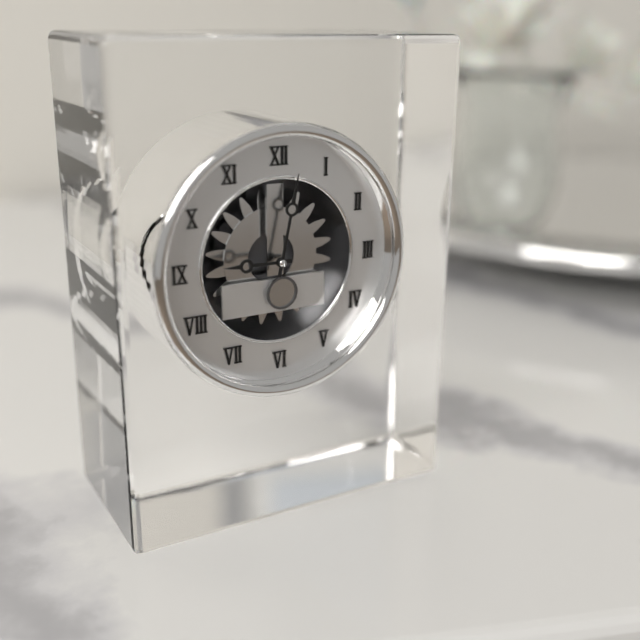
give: {"hour": 9, "minute": 2}
